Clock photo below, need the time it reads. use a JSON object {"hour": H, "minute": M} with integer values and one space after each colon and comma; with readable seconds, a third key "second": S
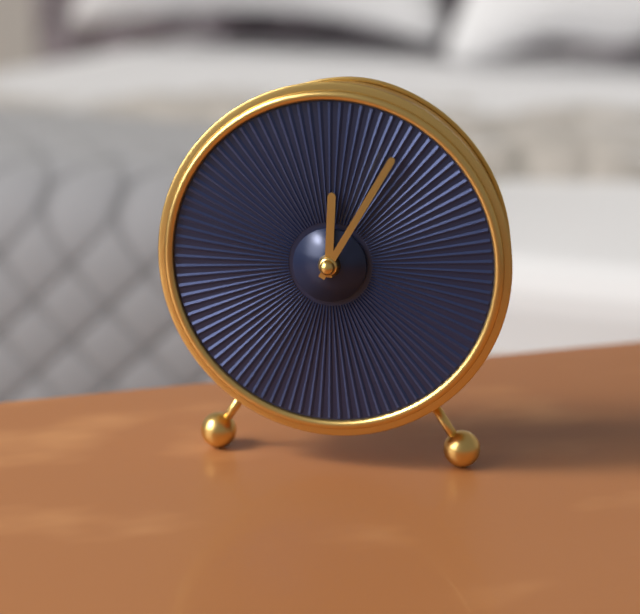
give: {"hour": 12, "minute": 5}
